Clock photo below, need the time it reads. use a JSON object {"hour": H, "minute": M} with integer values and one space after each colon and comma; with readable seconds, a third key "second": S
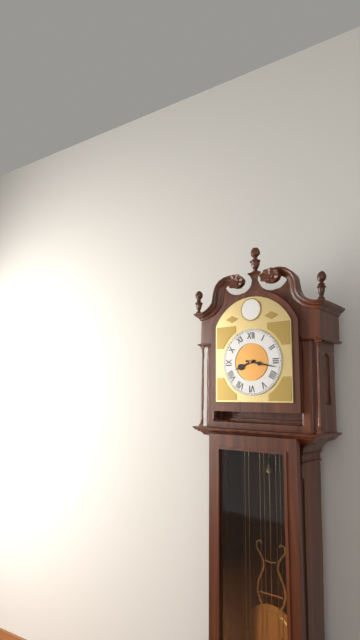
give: {"hour": 8, "minute": 17}
